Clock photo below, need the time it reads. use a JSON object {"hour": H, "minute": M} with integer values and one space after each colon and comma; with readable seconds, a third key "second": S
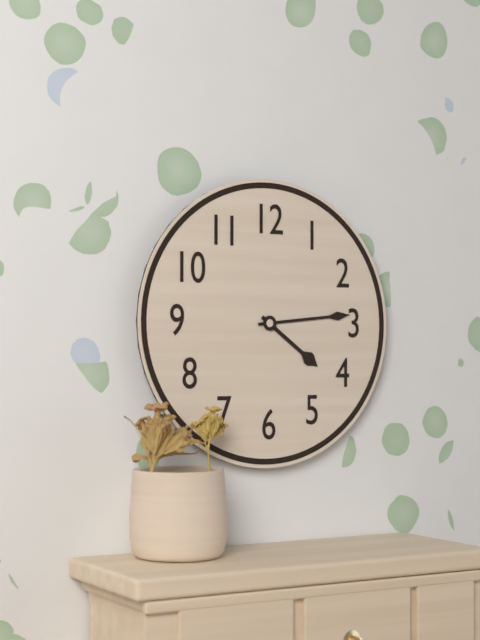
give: {"hour": 4, "minute": 14}
